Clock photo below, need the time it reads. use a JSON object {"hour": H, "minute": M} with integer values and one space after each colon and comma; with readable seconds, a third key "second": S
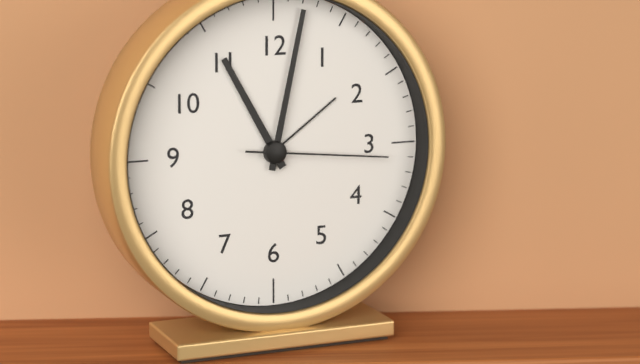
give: {"hour": 11, "minute": 2, "second": 16}
